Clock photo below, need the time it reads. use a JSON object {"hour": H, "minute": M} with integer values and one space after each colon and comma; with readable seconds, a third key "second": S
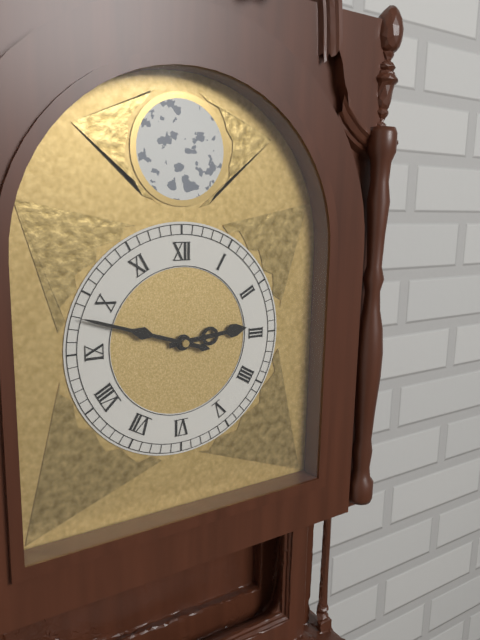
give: {"hour": 2, "minute": 48}
